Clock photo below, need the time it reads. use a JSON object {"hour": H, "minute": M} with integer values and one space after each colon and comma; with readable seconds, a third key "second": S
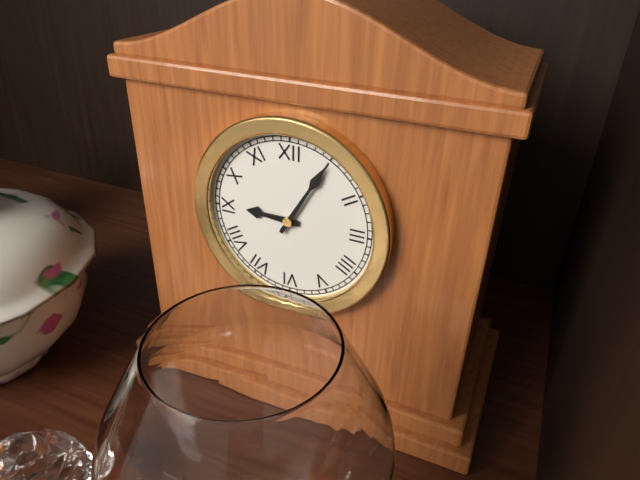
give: {"hour": 9, "minute": 5}
